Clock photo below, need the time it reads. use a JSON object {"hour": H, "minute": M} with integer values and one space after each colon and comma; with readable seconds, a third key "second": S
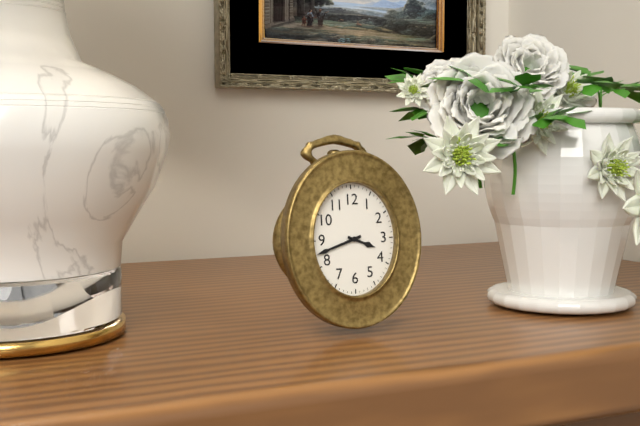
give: {"hour": 3, "minute": 42}
